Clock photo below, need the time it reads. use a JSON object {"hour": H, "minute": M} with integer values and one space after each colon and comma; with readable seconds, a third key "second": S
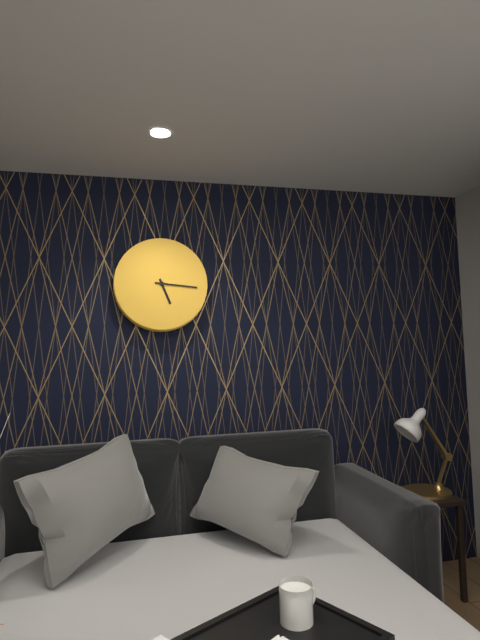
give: {"hour": 5, "minute": 16}
